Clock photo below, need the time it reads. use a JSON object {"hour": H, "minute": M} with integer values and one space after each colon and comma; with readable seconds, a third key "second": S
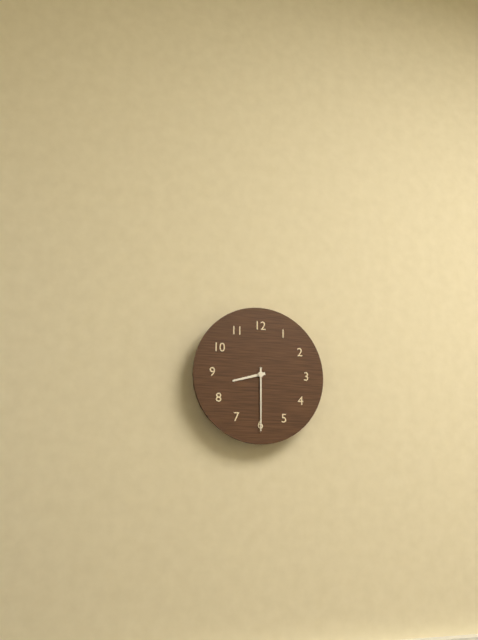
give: {"hour": 8, "minute": 30}
